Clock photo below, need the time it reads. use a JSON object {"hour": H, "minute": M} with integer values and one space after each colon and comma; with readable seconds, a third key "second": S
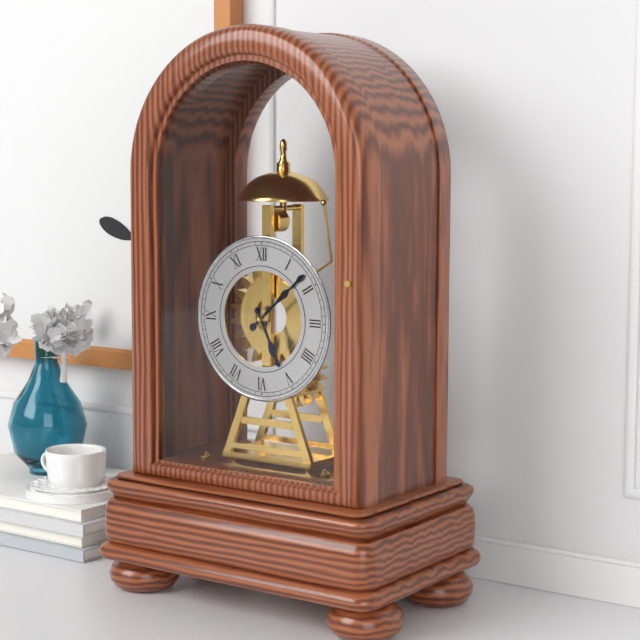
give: {"hour": 5, "minute": 8}
